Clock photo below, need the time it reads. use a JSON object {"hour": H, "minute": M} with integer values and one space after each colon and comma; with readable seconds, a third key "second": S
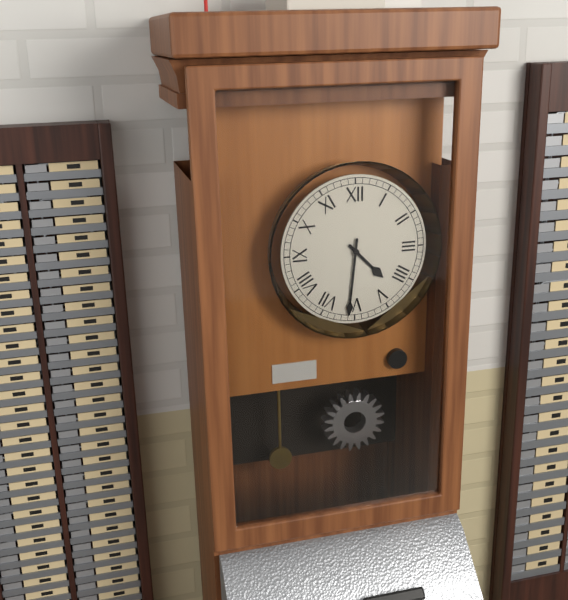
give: {"hour": 4, "minute": 31}
